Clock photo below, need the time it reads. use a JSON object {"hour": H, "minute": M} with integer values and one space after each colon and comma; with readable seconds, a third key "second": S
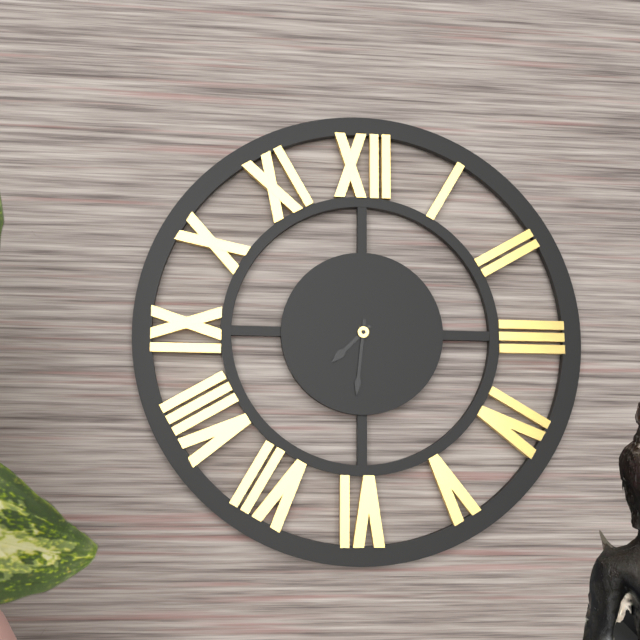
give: {"hour": 7, "minute": 31}
